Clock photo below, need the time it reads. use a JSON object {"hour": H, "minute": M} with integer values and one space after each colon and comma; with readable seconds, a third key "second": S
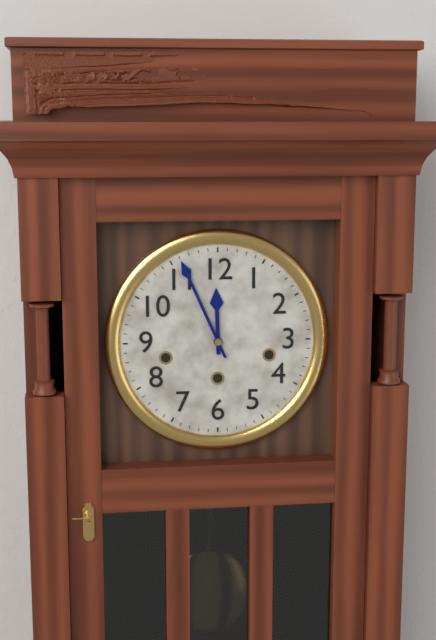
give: {"hour": 11, "minute": 56}
